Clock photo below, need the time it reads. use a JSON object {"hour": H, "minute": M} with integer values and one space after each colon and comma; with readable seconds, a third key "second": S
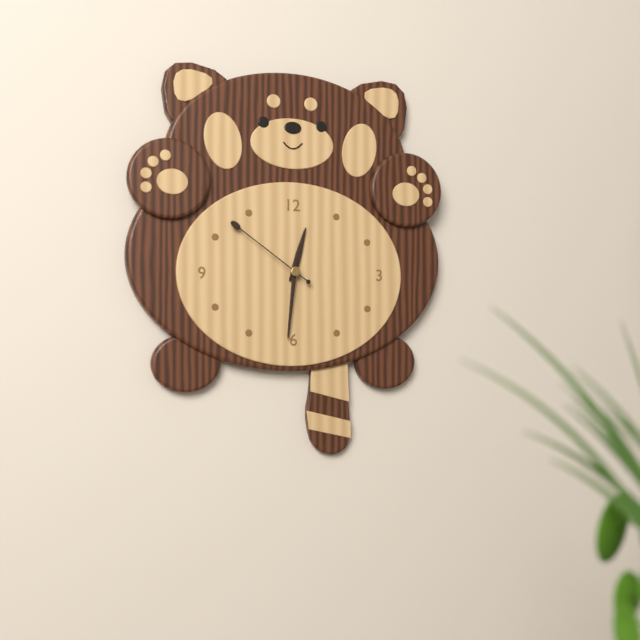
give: {"hour": 12, "minute": 31, "second": 51}
